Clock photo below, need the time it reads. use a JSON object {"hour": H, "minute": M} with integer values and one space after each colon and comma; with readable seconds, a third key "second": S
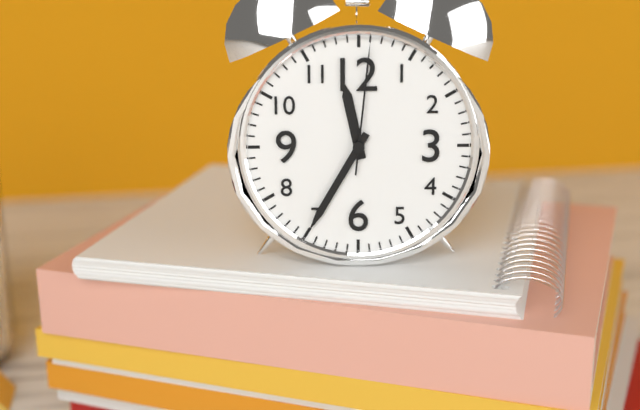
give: {"hour": 11, "minute": 35, "second": 1}
